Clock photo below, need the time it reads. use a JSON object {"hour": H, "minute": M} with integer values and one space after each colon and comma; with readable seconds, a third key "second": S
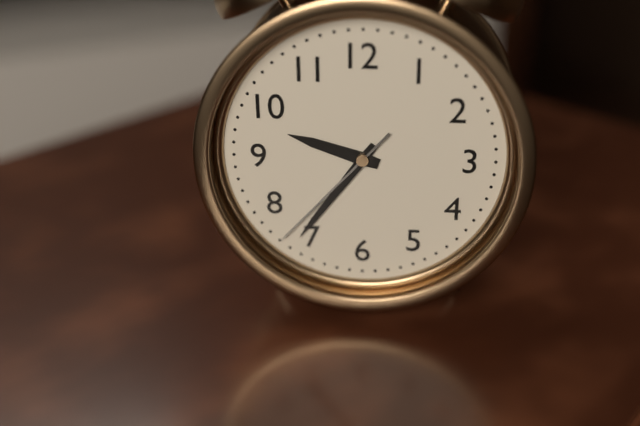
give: {"hour": 9, "minute": 36, "second": 37}
